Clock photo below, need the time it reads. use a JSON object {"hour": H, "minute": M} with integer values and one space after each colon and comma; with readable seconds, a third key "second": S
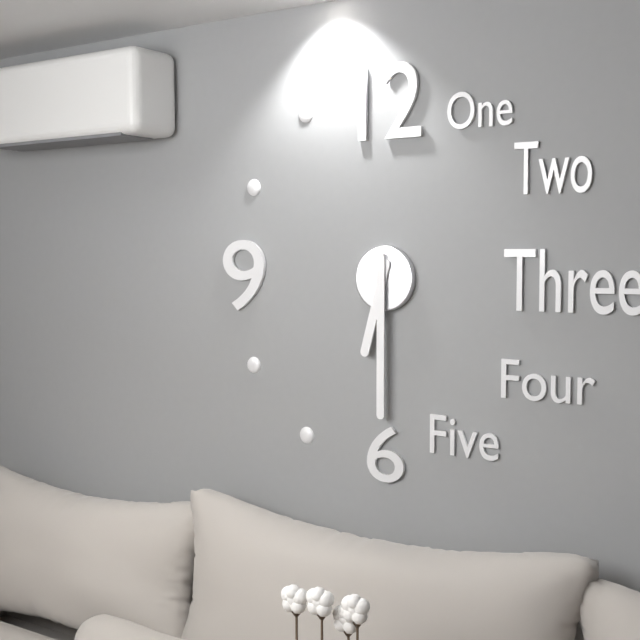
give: {"hour": 6, "minute": 30}
